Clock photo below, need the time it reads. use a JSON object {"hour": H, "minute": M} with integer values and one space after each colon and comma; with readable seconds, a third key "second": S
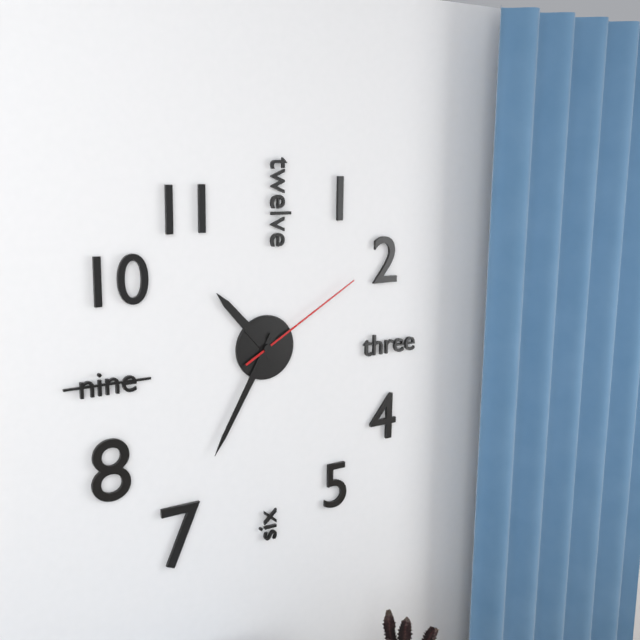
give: {"hour": 10, "minute": 35, "second": 10}
